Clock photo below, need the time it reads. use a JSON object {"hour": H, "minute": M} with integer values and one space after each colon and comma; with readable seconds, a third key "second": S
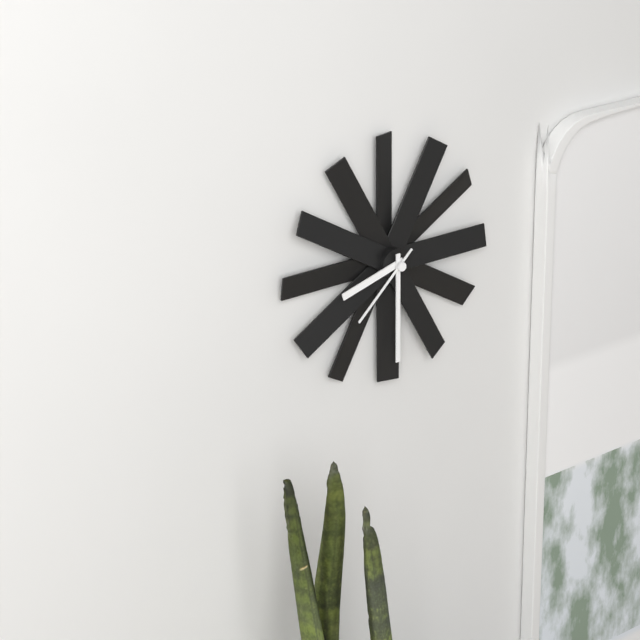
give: {"hour": 8, "minute": 30, "second": 38}
